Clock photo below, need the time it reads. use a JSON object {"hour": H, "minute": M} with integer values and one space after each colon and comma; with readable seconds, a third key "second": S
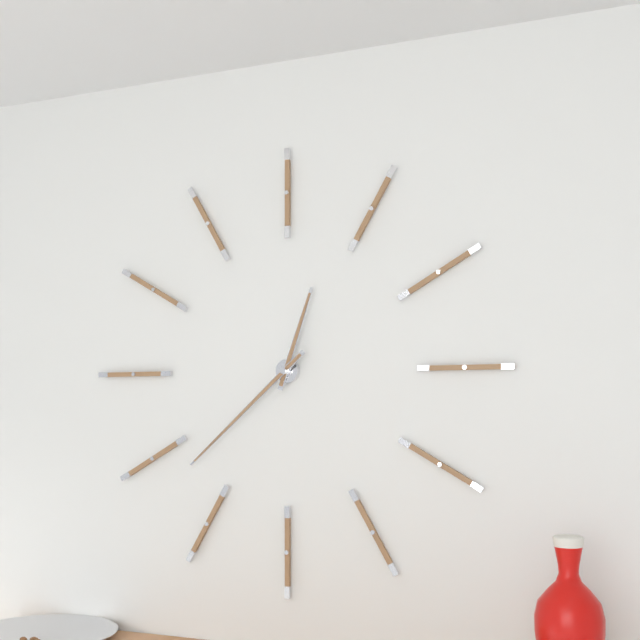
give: {"hour": 12, "minute": 38}
